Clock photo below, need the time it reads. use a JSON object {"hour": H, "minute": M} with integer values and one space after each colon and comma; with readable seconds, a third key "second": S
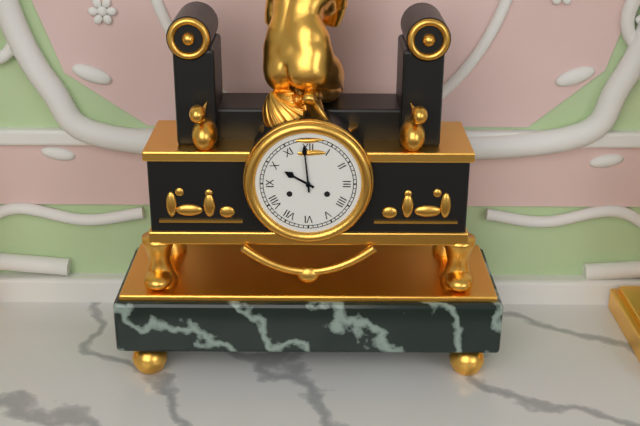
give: {"hour": 9, "minute": 59}
